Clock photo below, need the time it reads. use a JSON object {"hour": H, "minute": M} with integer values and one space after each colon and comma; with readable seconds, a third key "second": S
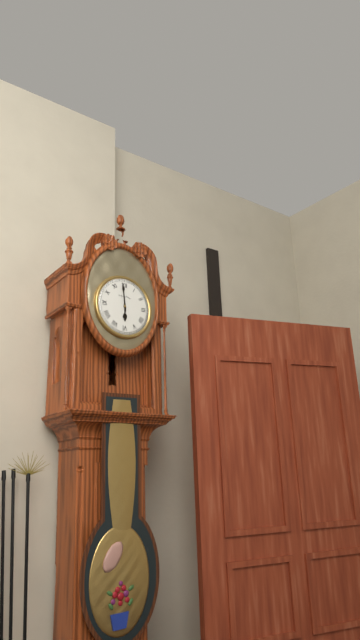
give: {"hour": 5, "minute": 59}
